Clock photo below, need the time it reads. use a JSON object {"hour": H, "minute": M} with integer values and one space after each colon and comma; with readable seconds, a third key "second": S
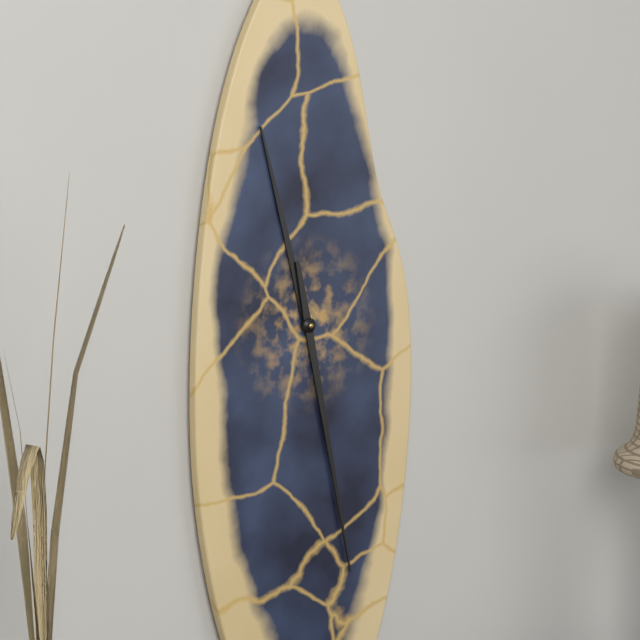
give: {"hour": 11, "minute": 28}
